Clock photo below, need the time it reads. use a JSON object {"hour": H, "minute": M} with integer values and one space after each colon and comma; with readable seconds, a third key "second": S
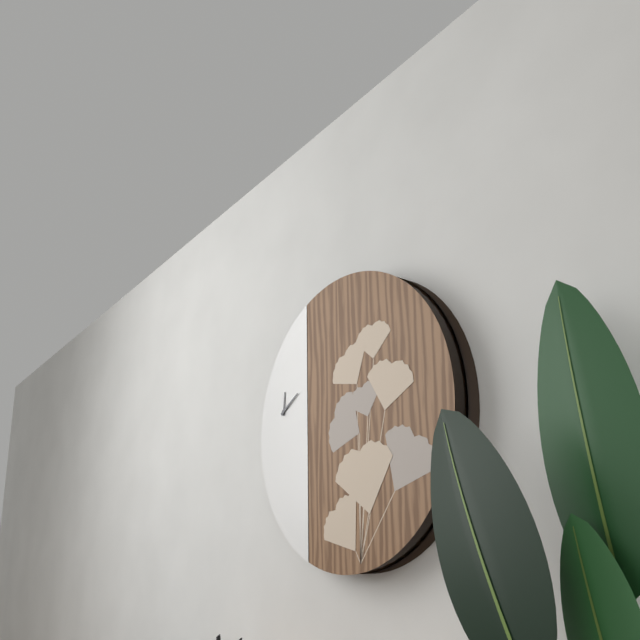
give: {"hour": 12, "minute": 10}
